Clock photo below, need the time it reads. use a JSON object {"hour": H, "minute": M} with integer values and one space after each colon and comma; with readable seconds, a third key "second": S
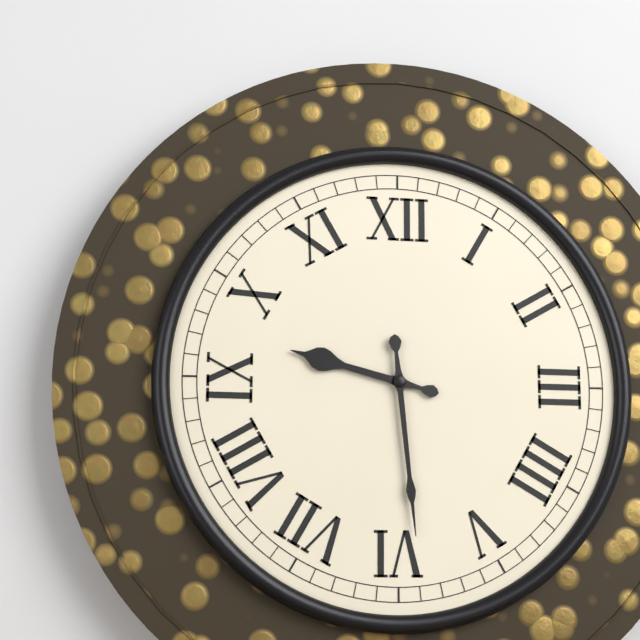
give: {"hour": 9, "minute": 29}
